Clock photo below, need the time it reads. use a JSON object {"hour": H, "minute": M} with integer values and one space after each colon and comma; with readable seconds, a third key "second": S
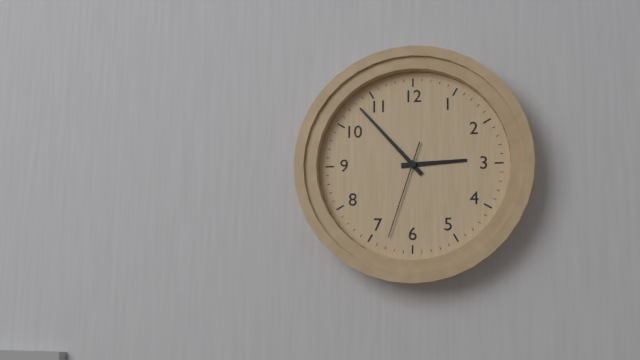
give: {"hour": 2, "minute": 53, "second": 33}
